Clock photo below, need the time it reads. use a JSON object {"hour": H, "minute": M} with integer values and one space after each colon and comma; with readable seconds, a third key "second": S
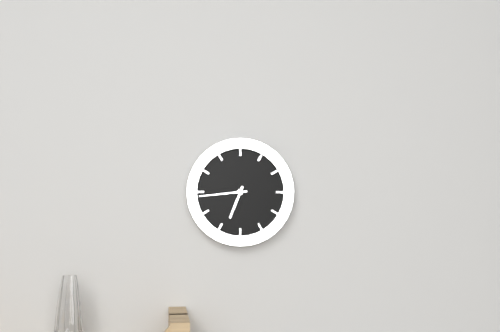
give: {"hour": 6, "minute": 44}
